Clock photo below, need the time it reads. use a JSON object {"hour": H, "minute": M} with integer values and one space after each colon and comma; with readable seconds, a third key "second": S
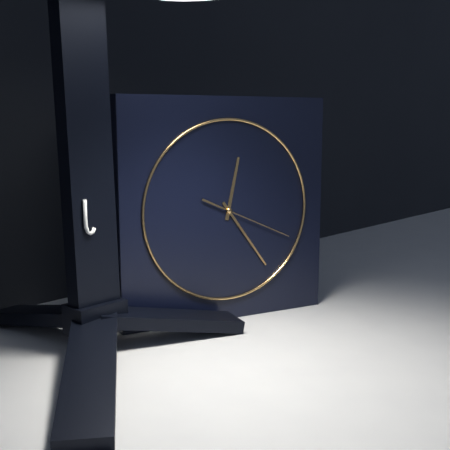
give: {"hour": 12, "minute": 24, "second": 19}
